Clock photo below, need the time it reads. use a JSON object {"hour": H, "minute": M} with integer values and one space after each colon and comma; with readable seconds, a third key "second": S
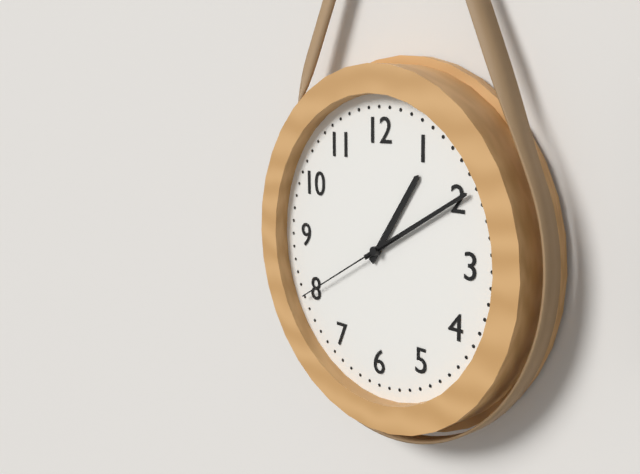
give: {"hour": 1, "minute": 10, "second": 40}
